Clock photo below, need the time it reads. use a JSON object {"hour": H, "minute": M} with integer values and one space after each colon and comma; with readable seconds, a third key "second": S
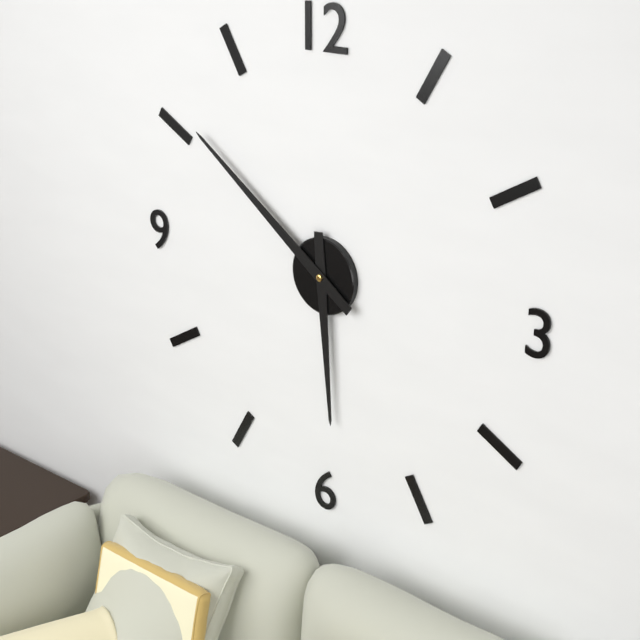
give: {"hour": 5, "minute": 51}
